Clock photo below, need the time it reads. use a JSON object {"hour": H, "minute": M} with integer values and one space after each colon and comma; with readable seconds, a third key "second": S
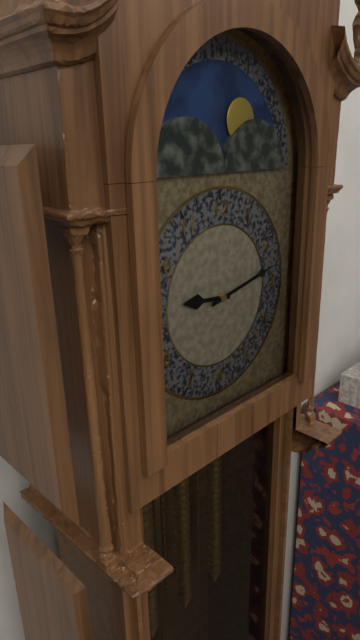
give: {"hour": 9, "minute": 13}
